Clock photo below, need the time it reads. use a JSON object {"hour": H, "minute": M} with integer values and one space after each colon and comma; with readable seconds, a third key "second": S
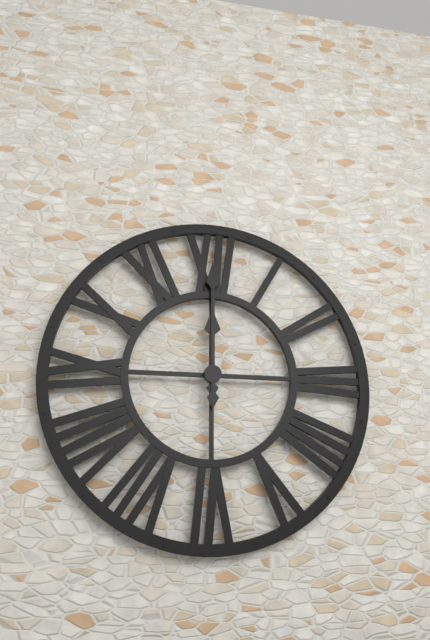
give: {"hour": 12, "minute": 0}
